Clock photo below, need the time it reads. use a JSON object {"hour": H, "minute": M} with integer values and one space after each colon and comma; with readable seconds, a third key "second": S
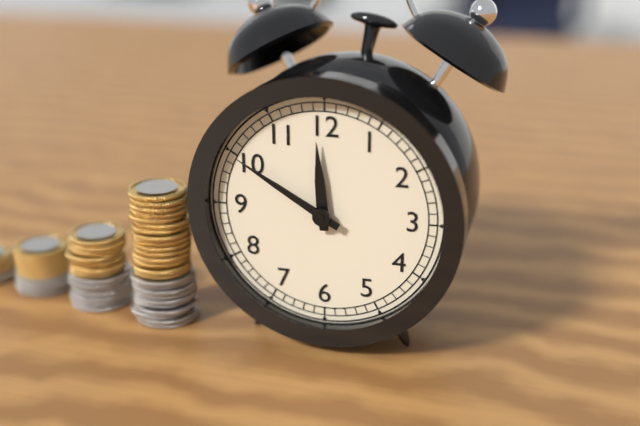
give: {"hour": 11, "minute": 50}
